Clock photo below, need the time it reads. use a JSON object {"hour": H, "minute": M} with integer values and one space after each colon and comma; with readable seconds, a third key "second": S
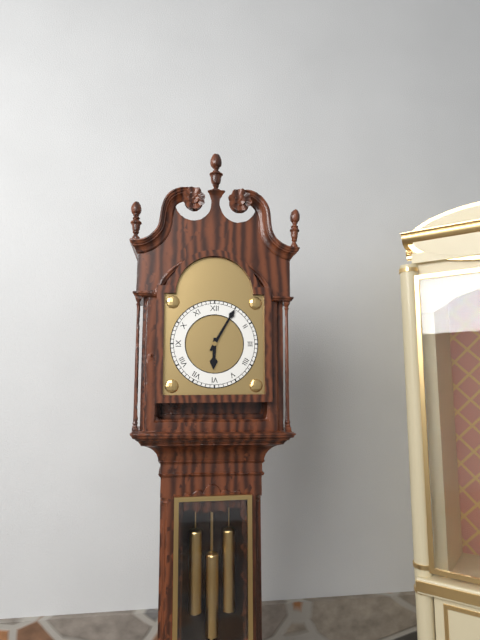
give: {"hour": 6, "minute": 5}
